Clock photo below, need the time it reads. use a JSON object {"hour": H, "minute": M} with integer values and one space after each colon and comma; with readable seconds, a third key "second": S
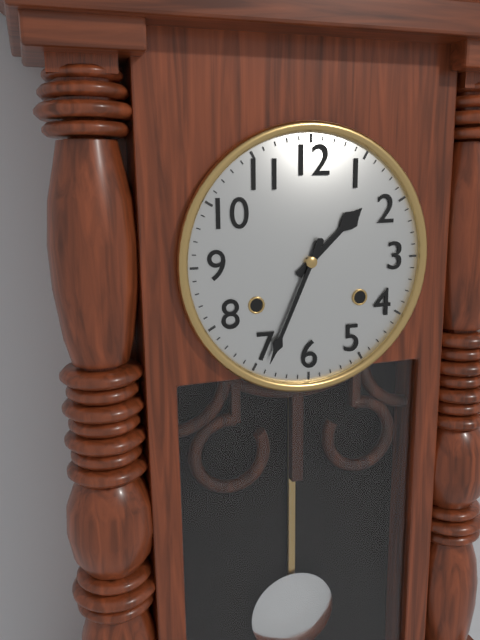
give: {"hour": 1, "minute": 34}
